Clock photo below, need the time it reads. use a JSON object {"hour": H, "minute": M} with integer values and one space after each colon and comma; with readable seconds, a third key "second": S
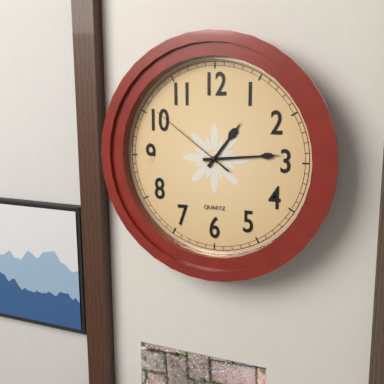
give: {"hour": 1, "minute": 14, "second": 51}
